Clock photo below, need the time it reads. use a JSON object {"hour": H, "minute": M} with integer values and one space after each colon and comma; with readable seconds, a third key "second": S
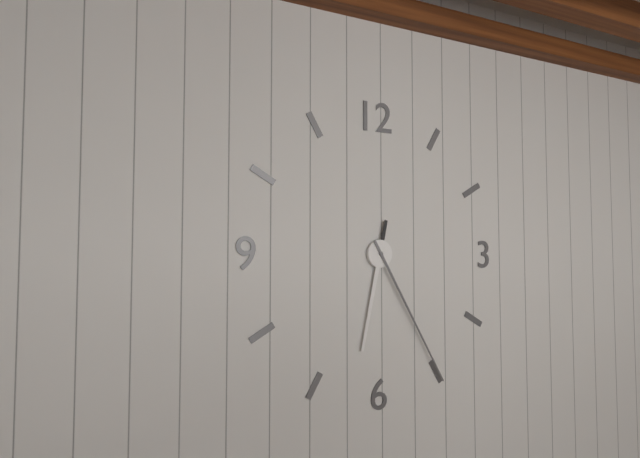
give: {"hour": 6, "minute": 25}
